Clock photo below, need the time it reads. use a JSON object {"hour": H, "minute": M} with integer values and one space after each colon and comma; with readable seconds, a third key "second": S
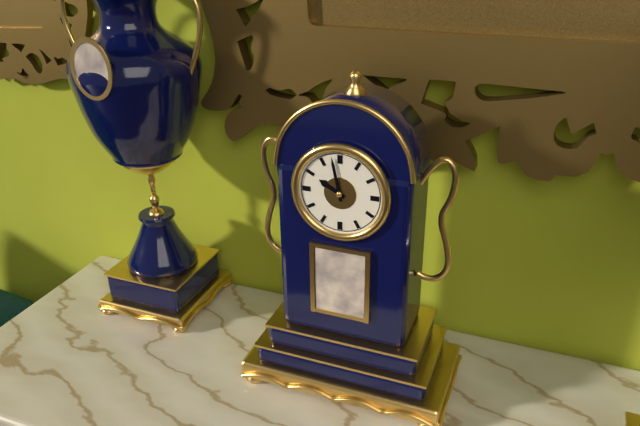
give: {"hour": 9, "minute": 58}
